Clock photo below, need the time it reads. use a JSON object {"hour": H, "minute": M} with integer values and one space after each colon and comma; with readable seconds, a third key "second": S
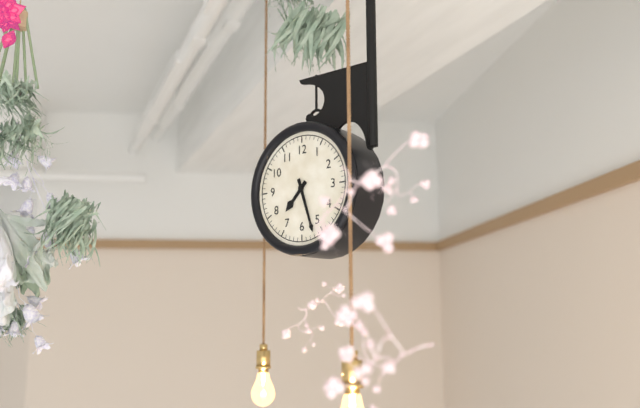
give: {"hour": 7, "minute": 27}
